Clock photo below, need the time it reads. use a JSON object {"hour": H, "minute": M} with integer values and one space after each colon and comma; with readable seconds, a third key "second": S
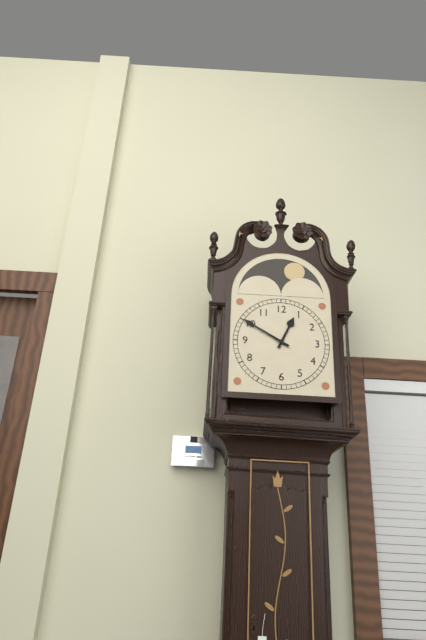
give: {"hour": 12, "minute": 50}
